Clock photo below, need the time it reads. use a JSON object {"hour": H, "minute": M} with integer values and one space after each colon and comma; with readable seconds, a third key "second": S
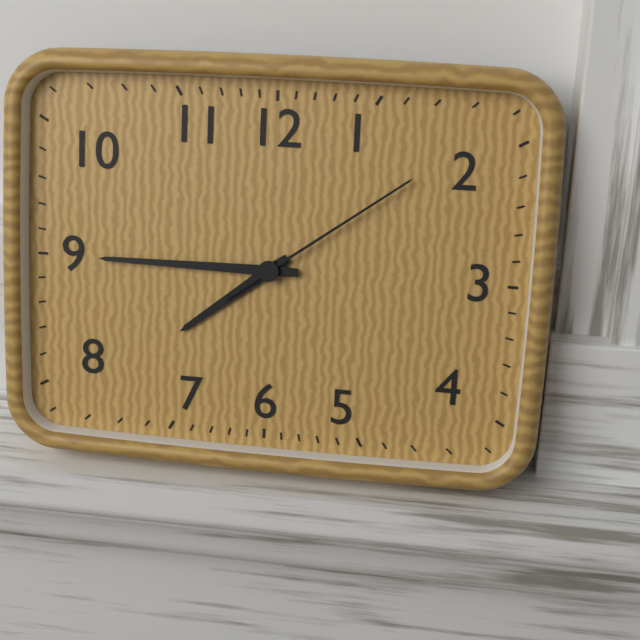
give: {"hour": 7, "minute": 45, "second": 9}
